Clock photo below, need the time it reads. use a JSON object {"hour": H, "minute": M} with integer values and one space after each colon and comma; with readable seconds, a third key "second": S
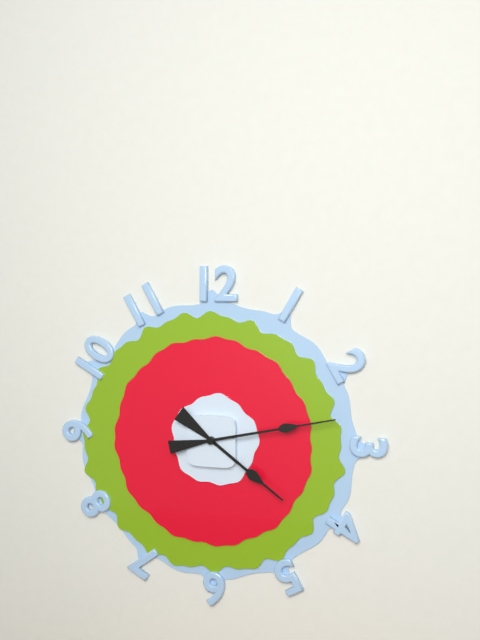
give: {"hour": 4, "minute": 13}
